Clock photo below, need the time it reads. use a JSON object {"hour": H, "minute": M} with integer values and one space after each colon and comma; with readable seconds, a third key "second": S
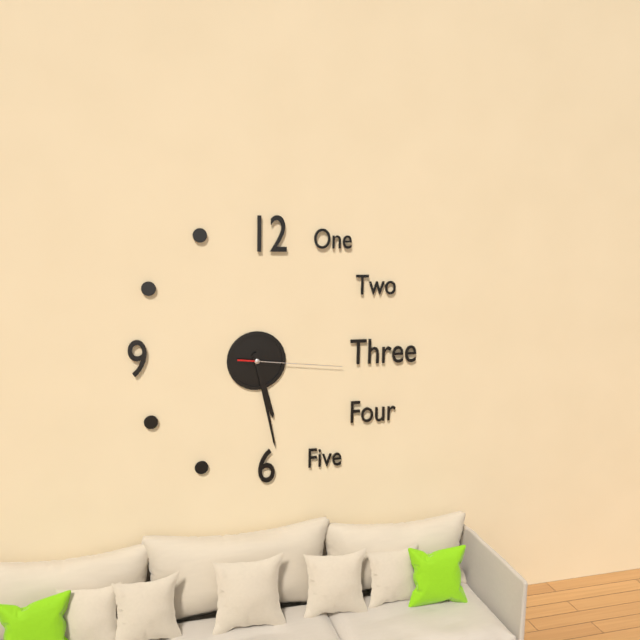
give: {"hour": 5, "minute": 28, "second": 16}
